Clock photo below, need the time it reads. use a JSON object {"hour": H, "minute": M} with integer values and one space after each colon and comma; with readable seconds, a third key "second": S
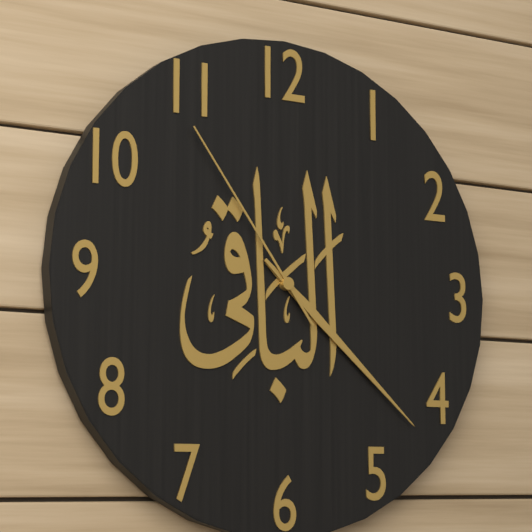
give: {"hour": 4, "minute": 22, "second": 54}
